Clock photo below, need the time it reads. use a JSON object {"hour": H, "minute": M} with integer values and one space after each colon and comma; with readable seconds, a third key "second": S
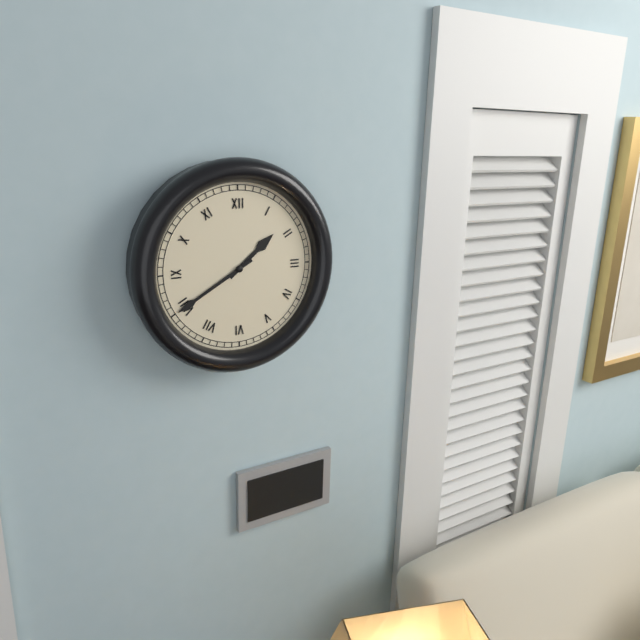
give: {"hour": 1, "minute": 40}
